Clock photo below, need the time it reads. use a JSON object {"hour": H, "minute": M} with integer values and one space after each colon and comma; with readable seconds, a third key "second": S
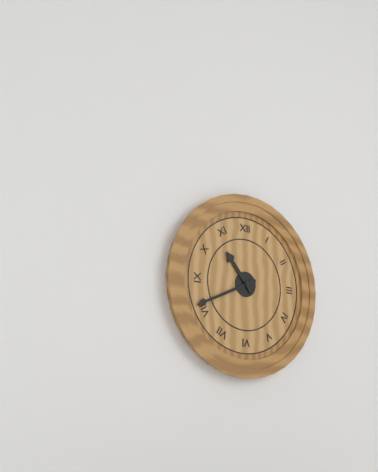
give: {"hour": 10, "minute": 41}
